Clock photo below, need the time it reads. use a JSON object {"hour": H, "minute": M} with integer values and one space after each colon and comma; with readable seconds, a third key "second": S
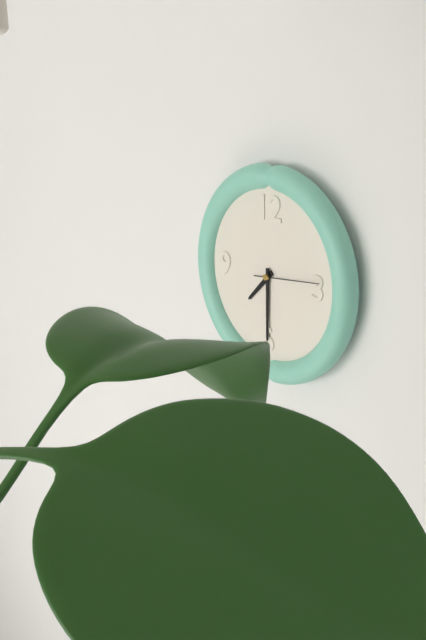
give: {"hour": 7, "minute": 30, "second": 14}
